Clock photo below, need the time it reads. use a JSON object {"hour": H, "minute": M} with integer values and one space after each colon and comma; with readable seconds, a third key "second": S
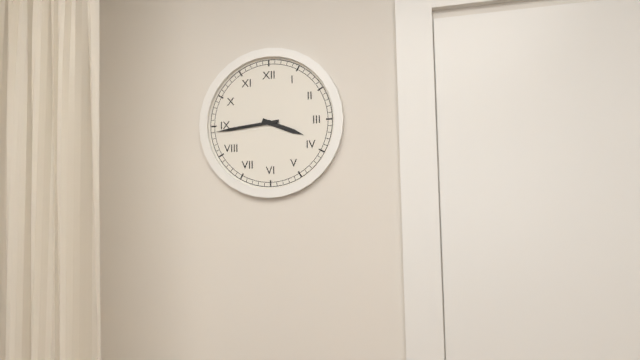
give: {"hour": 3, "minute": 44}
